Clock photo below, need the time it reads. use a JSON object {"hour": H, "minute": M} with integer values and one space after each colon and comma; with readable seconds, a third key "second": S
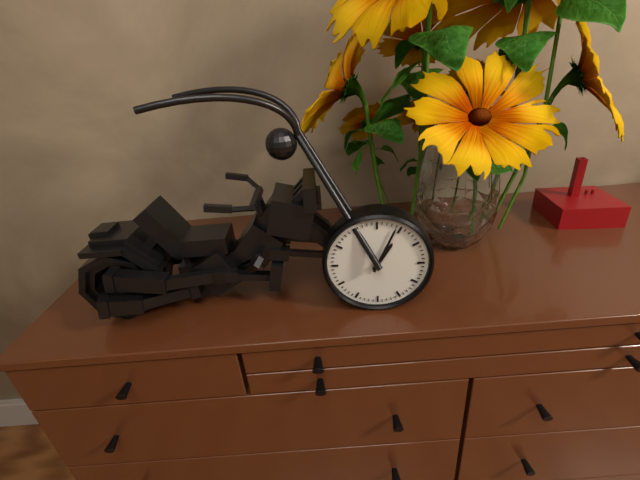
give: {"hour": 1, "minute": 4}
